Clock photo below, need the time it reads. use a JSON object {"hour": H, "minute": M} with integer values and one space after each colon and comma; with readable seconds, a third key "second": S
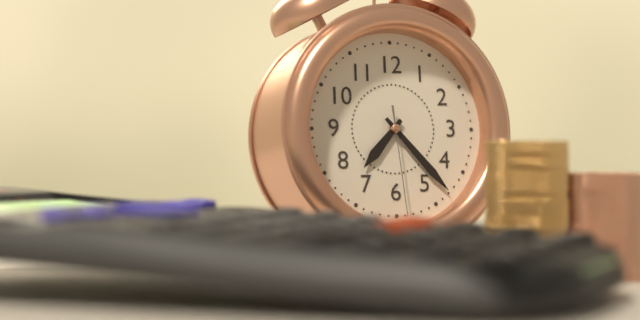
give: {"hour": 7, "minute": 23, "second": 29}
